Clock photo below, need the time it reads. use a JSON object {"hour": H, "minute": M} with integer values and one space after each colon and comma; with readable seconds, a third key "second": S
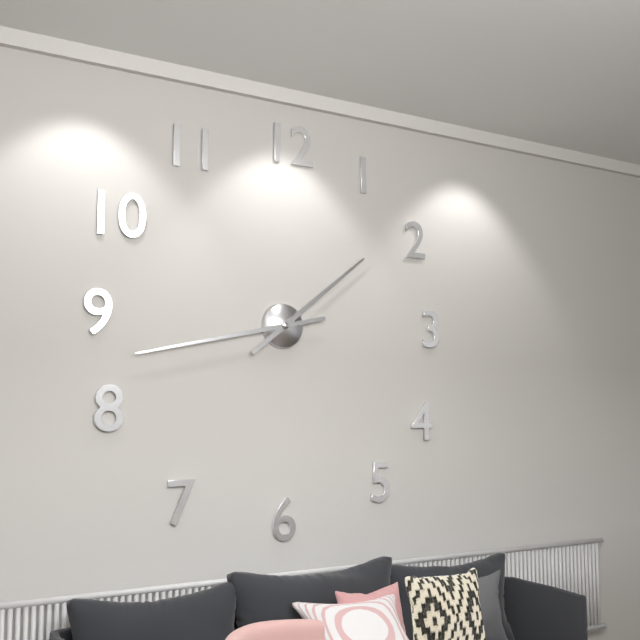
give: {"hour": 1, "minute": 43}
